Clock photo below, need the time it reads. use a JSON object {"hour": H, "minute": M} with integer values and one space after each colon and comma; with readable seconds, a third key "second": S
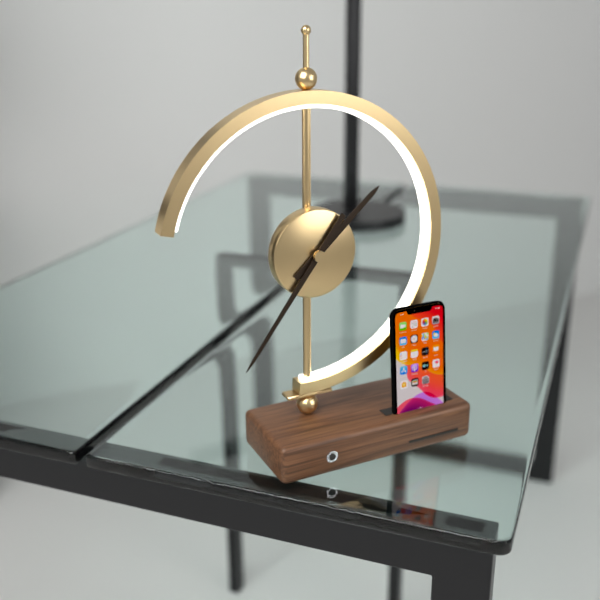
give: {"hour": 1, "minute": 36}
